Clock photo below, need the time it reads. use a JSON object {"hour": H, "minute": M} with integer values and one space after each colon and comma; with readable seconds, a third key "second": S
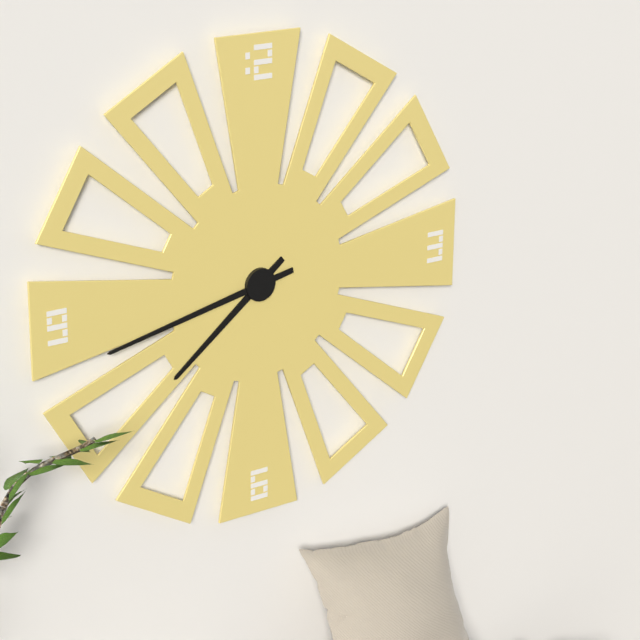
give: {"hour": 7, "minute": 43}
